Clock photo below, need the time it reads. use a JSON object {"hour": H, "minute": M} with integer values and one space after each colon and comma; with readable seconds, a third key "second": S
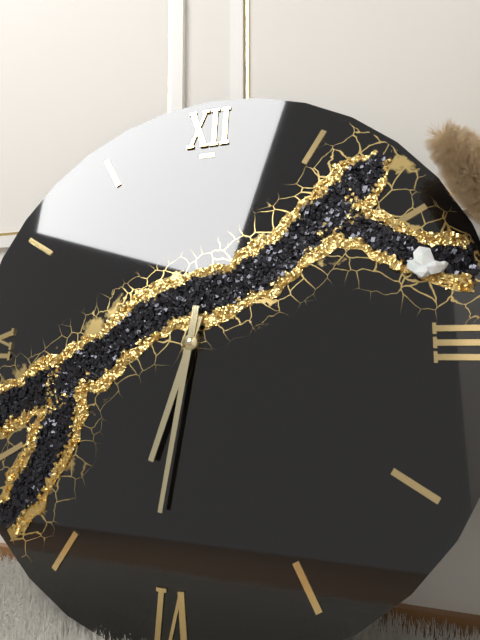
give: {"hour": 6, "minute": 31}
